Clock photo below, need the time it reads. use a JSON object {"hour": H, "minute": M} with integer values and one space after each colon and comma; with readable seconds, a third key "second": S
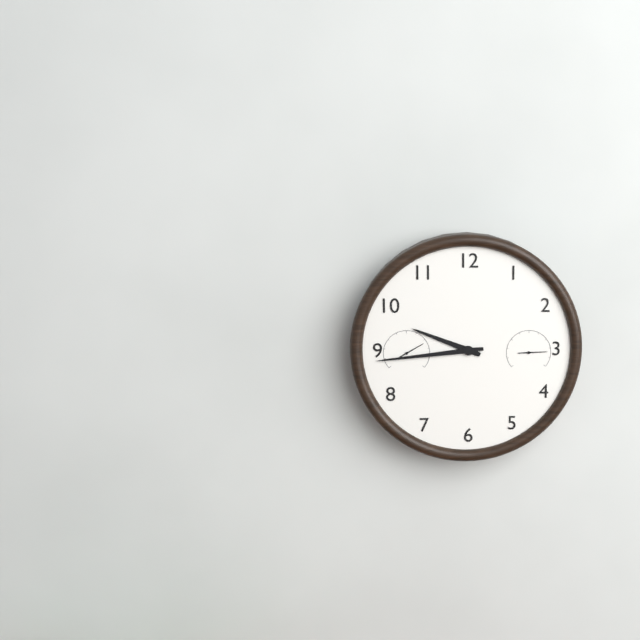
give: {"hour": 9, "minute": 44}
